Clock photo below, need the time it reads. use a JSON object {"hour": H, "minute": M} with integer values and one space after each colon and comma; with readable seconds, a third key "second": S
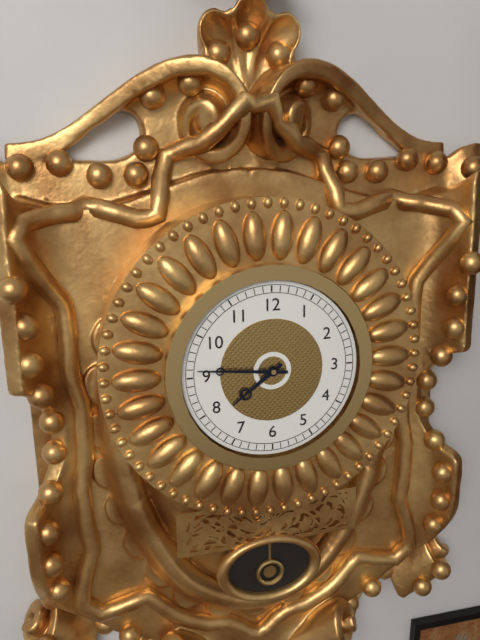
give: {"hour": 7, "minute": 46}
